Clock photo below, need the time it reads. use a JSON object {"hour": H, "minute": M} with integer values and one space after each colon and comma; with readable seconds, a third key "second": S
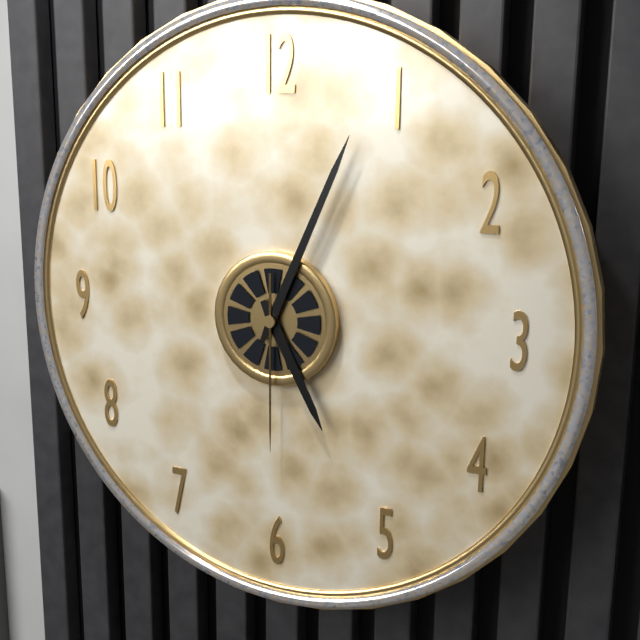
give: {"hour": 5, "minute": 4, "second": 30}
